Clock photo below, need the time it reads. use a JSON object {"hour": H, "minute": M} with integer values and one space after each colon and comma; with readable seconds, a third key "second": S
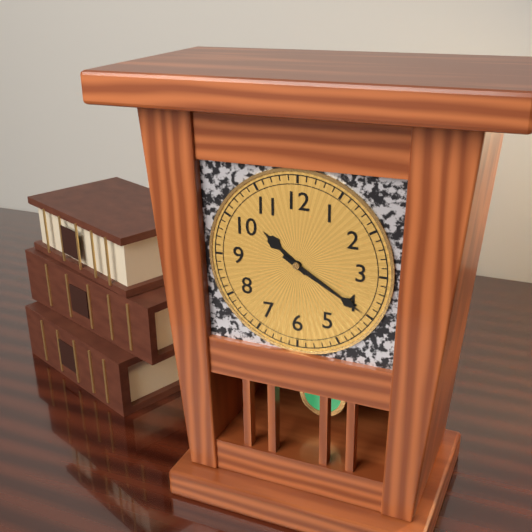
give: {"hour": 10, "minute": 20}
